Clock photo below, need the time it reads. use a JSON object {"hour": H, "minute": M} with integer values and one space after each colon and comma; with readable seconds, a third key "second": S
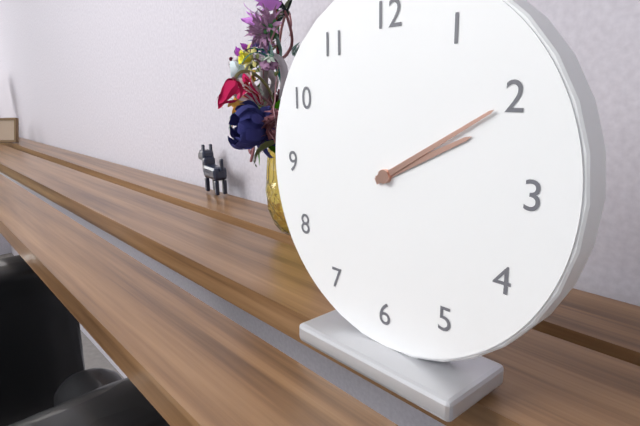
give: {"hour": 2, "minute": 10}
